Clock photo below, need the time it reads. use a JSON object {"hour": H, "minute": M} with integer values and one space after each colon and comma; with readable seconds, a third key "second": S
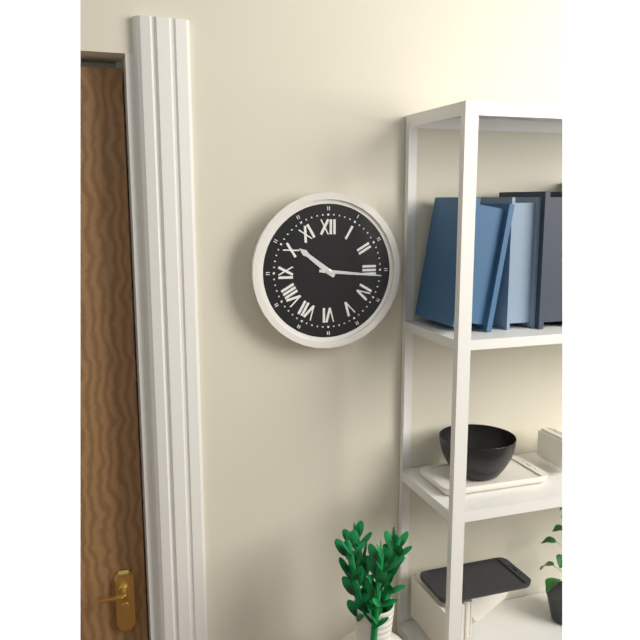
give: {"hour": 10, "minute": 16}
